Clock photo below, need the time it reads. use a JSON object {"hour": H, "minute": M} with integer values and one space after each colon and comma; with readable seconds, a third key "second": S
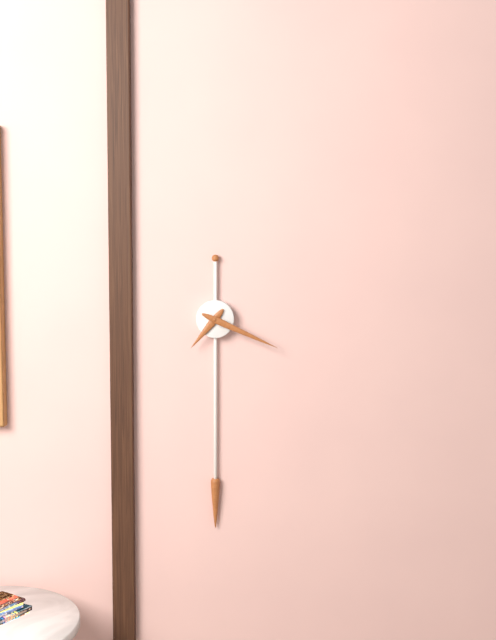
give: {"hour": 7, "minute": 19}
